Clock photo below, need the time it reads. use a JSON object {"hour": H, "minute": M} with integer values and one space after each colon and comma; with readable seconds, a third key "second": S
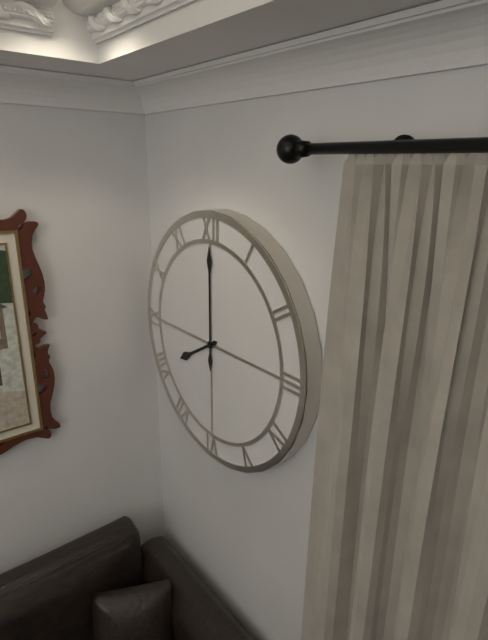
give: {"hour": 8, "minute": 0}
